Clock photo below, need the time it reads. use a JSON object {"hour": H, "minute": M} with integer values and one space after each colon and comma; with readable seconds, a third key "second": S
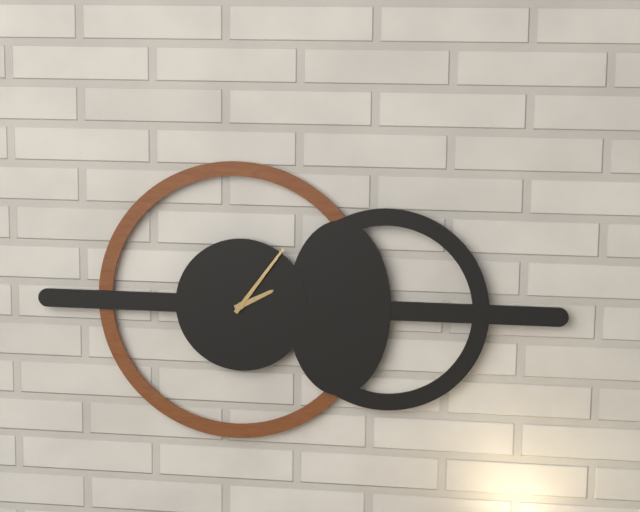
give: {"hour": 2, "minute": 6}
